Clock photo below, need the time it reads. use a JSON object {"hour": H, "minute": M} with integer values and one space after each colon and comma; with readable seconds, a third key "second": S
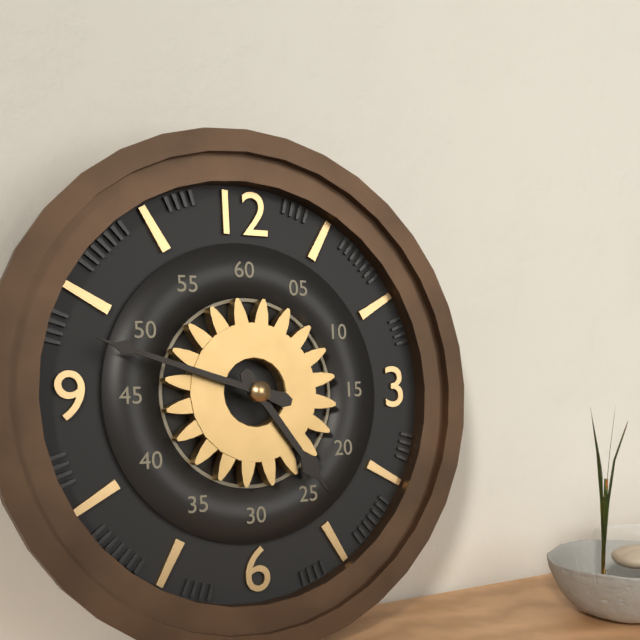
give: {"hour": 4, "minute": 48}
